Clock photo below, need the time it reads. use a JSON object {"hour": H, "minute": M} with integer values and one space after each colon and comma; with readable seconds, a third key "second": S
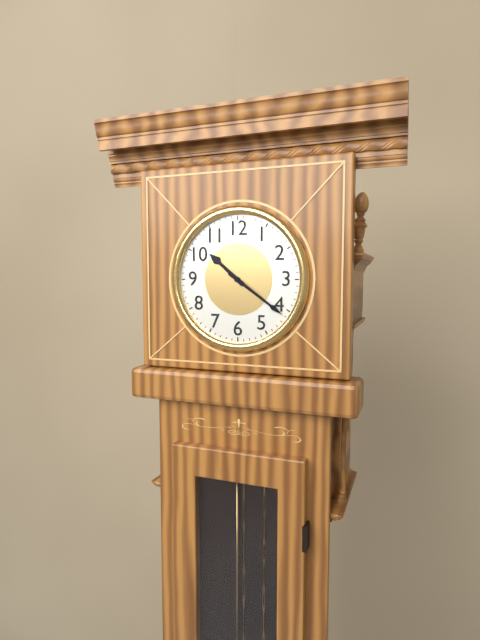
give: {"hour": 10, "minute": 21}
